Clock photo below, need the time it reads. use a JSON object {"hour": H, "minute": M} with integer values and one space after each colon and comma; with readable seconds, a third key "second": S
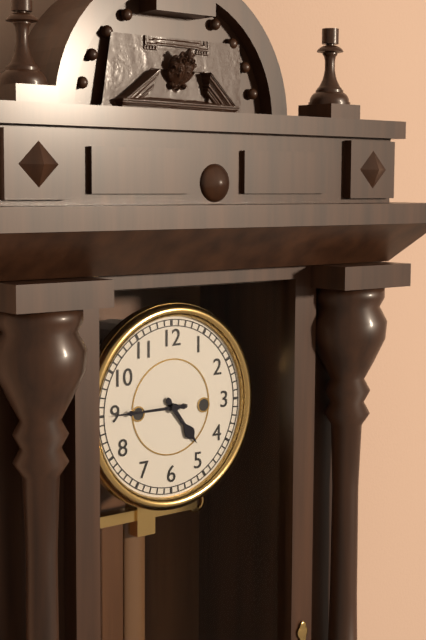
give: {"hour": 4, "minute": 45}
